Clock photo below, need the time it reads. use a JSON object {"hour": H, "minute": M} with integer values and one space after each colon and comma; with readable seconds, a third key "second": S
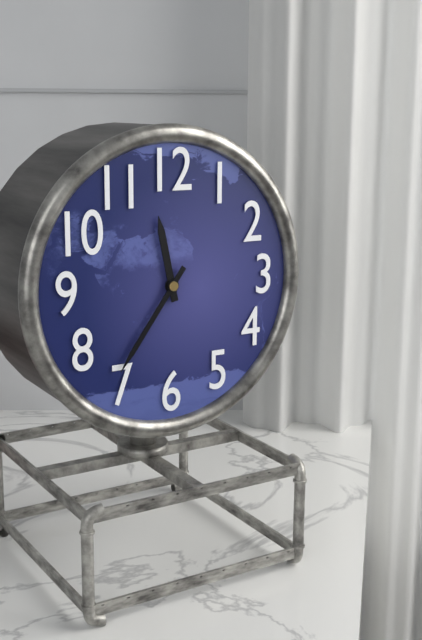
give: {"hour": 11, "minute": 36}
